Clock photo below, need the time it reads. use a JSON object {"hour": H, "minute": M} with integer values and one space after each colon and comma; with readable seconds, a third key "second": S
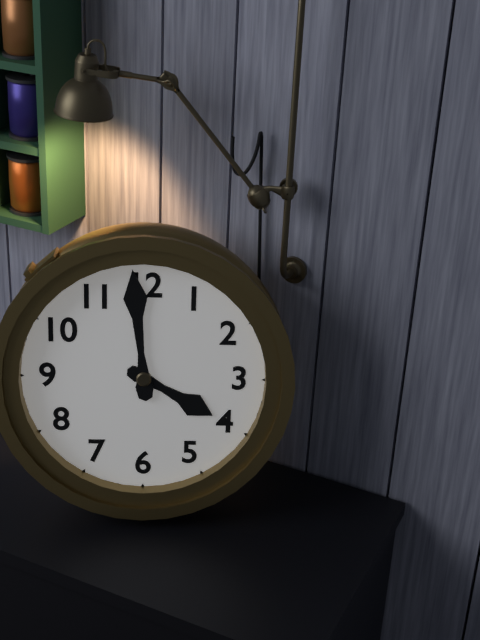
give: {"hour": 3, "minute": 59}
